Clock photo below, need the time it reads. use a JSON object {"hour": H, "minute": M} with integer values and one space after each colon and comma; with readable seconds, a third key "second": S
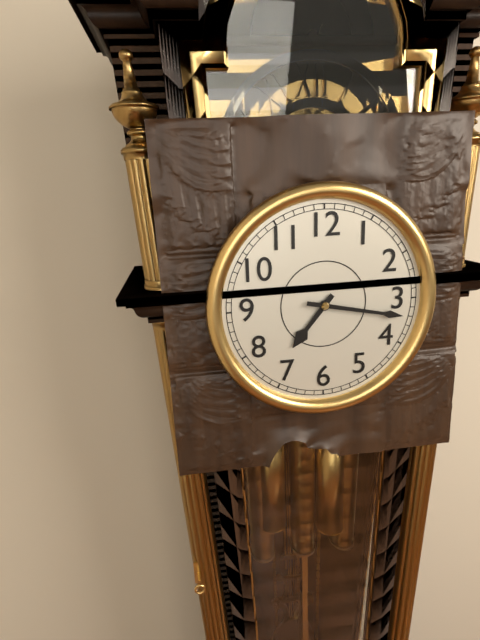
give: {"hour": 7, "minute": 17}
